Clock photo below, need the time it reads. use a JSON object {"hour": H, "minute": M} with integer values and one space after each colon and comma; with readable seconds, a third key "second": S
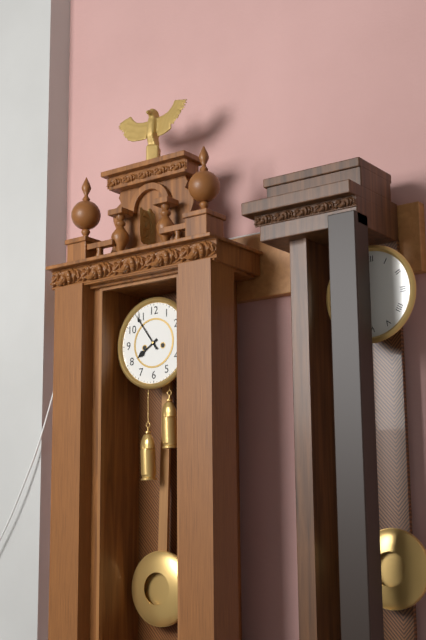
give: {"hour": 7, "minute": 54}
